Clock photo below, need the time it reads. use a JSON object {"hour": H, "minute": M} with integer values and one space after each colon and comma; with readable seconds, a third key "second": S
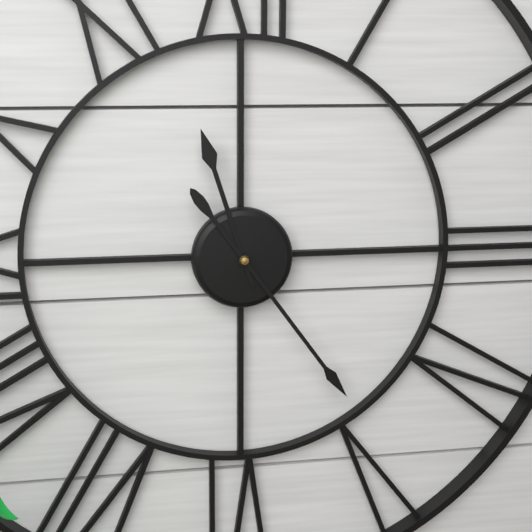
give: {"hour": 11, "minute": 24}
